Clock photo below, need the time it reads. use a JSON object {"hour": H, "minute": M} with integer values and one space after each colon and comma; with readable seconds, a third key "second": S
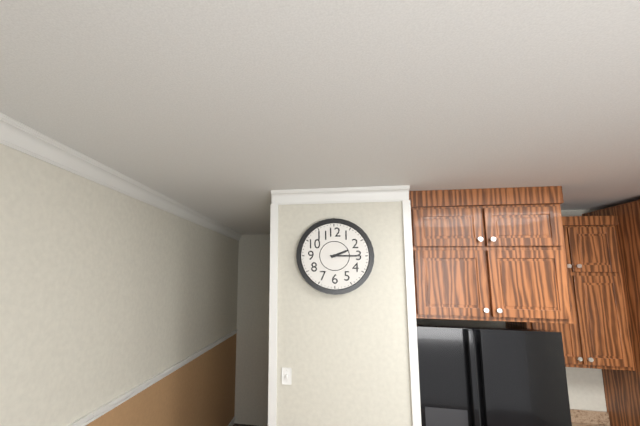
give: {"hour": 2, "minute": 15}
